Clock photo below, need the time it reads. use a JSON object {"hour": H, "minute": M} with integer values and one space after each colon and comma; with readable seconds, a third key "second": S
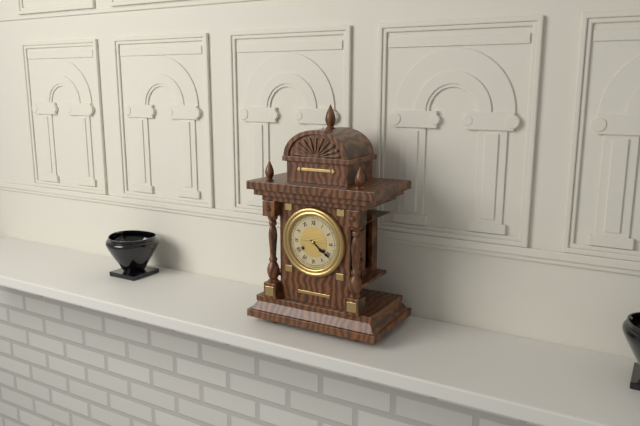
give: {"hour": 4, "minute": 21}
